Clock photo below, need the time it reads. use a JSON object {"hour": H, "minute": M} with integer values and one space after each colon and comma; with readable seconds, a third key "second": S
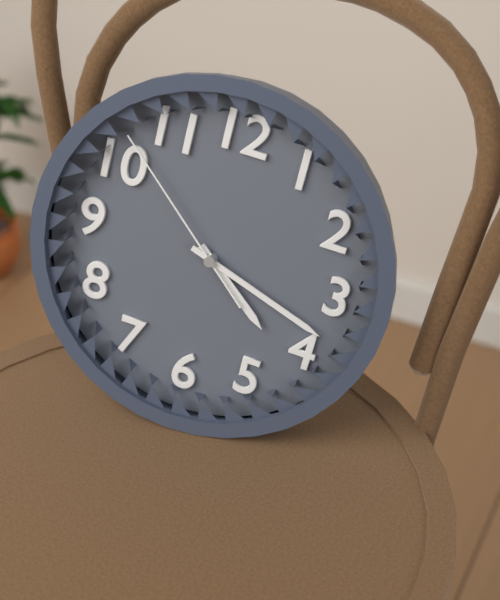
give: {"hour": 4, "minute": 18, "second": 52}
